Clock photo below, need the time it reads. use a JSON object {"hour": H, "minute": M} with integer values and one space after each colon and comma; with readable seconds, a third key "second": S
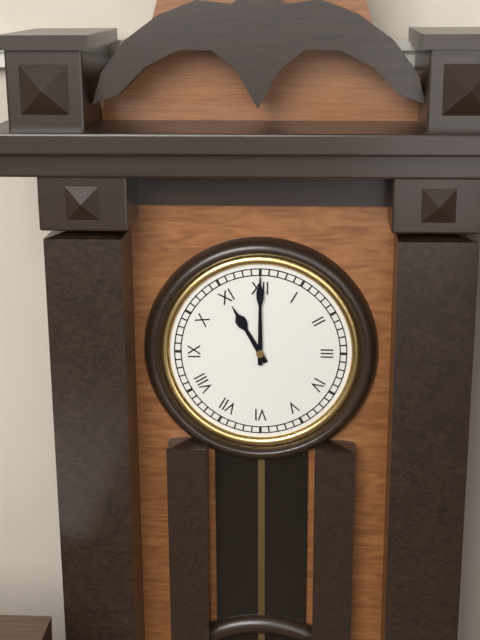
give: {"hour": 11, "minute": 0}
